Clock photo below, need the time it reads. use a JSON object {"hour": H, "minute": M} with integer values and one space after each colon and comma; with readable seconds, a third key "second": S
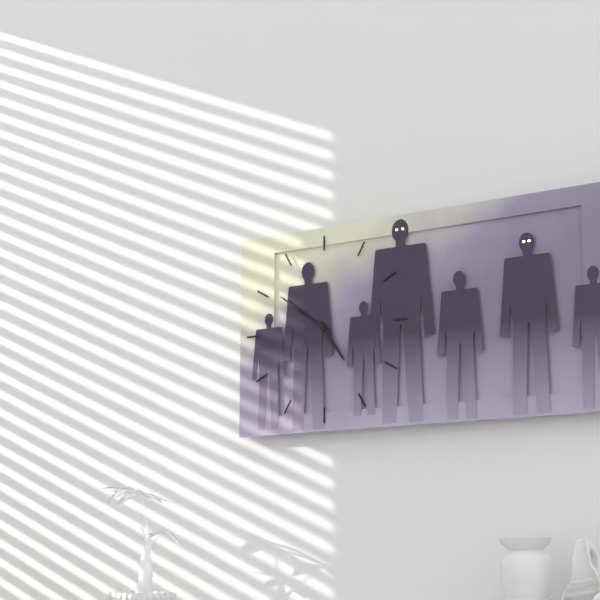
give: {"hour": 4, "minute": 51}
